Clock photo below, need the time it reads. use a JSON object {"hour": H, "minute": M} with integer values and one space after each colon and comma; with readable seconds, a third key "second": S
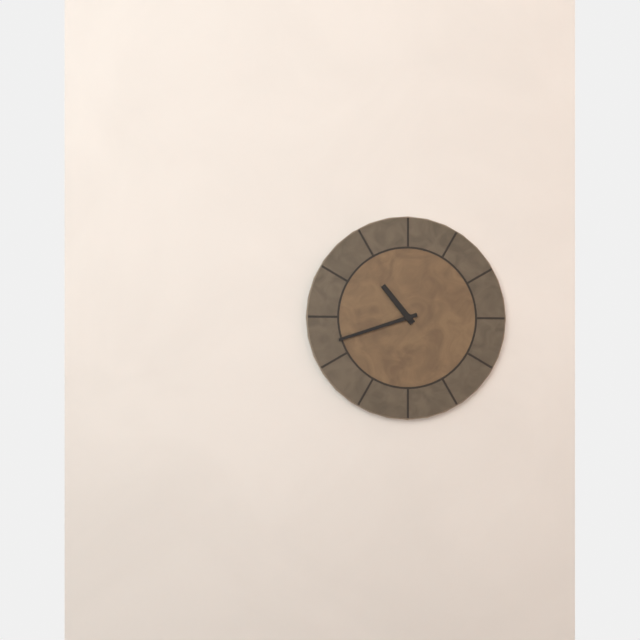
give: {"hour": 10, "minute": 42}
